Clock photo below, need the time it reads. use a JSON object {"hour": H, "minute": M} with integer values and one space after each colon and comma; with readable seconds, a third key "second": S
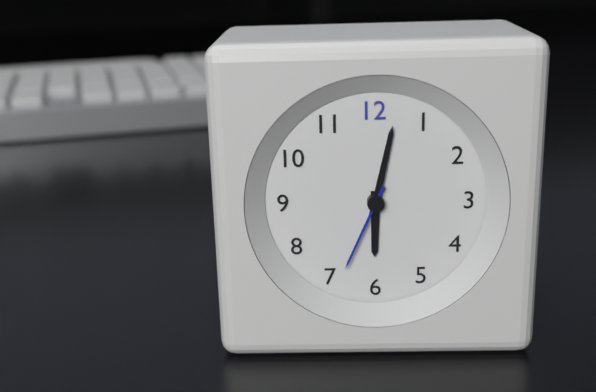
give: {"hour": 6, "minute": 2, "second": 34}
